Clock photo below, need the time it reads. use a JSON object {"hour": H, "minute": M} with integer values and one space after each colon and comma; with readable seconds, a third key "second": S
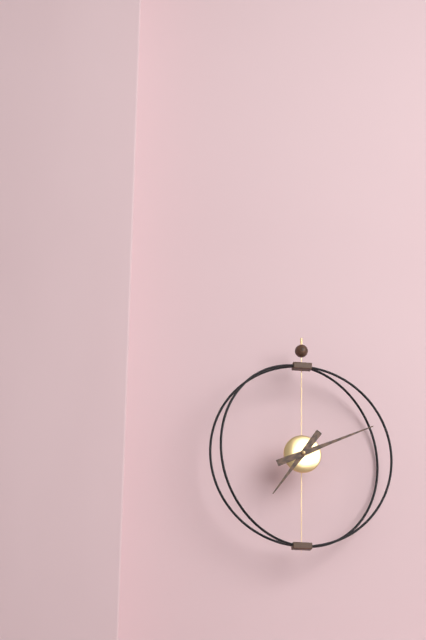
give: {"hour": 7, "minute": 11}
